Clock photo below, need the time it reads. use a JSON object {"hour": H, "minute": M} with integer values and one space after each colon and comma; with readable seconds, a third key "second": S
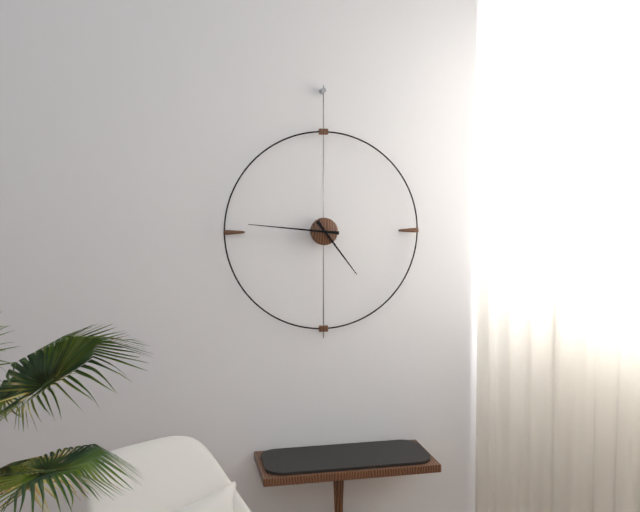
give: {"hour": 4, "minute": 46}
